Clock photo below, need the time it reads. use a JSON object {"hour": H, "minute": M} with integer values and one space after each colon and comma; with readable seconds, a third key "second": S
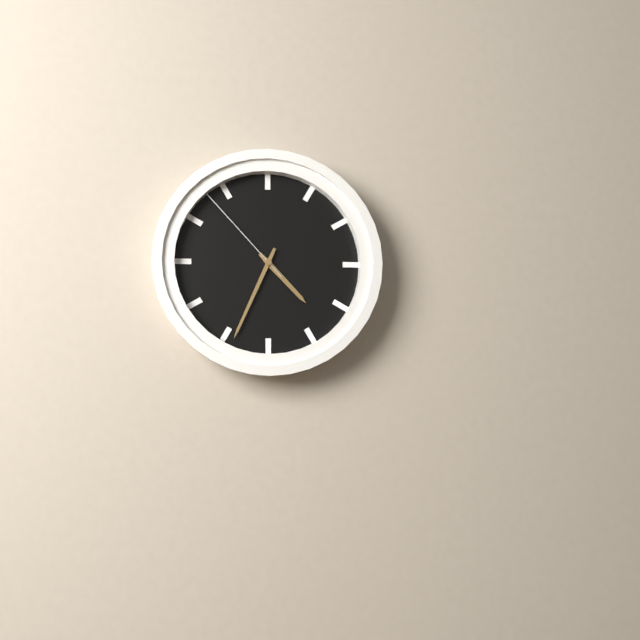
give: {"hour": 4, "minute": 34, "second": 53}
